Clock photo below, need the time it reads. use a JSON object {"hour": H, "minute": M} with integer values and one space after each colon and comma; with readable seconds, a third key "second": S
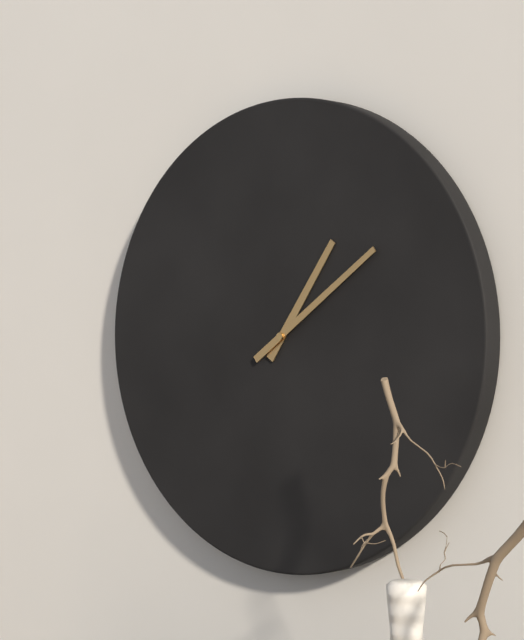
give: {"hour": 1, "minute": 9}
